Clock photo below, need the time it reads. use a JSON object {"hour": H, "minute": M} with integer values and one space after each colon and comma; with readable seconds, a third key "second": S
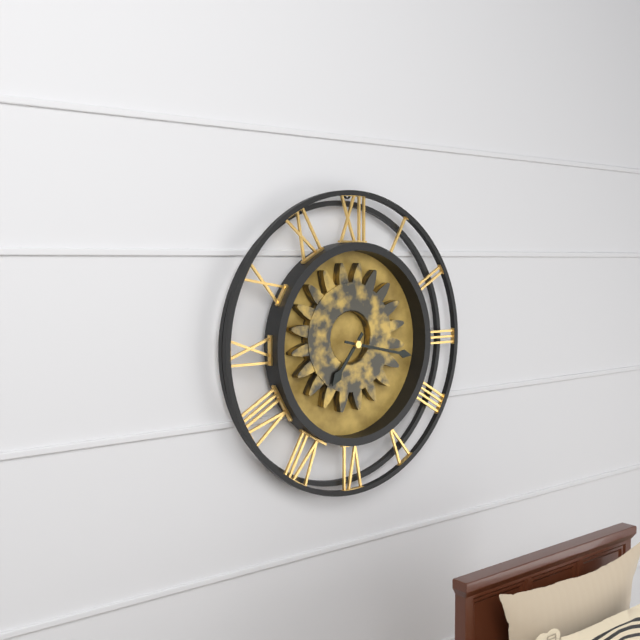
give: {"hour": 7, "minute": 17}
